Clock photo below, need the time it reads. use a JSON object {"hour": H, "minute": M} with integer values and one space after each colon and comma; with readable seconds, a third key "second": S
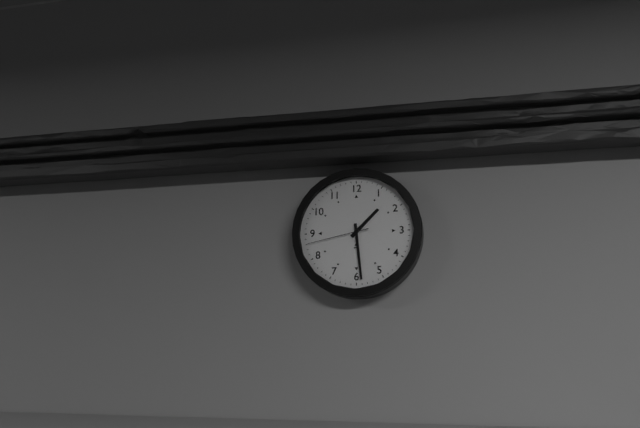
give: {"hour": 1, "minute": 29, "second": 43}
